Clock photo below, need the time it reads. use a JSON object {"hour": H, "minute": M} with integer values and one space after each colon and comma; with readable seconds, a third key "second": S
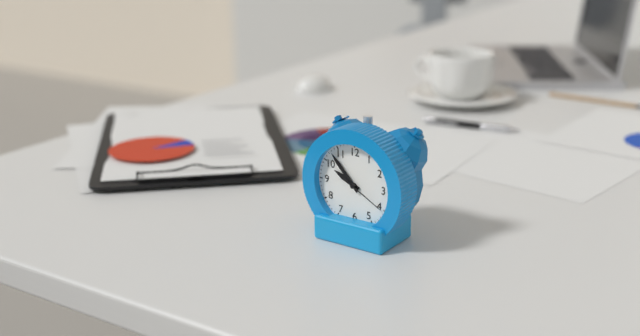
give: {"hour": 9, "minute": 53}
